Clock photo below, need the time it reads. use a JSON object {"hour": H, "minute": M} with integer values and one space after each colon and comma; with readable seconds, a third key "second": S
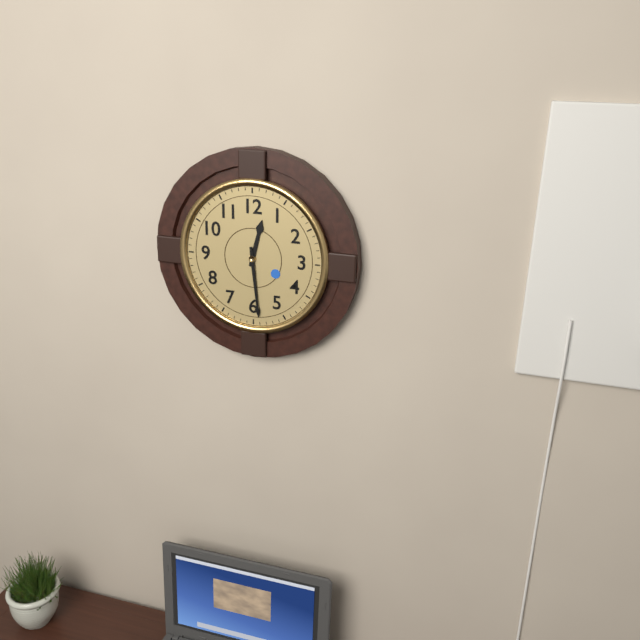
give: {"hour": 12, "minute": 29}
